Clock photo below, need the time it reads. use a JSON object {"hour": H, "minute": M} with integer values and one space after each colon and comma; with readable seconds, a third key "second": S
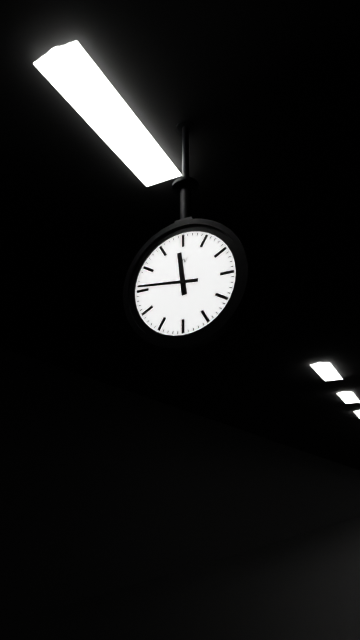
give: {"hour": 11, "minute": 46}
